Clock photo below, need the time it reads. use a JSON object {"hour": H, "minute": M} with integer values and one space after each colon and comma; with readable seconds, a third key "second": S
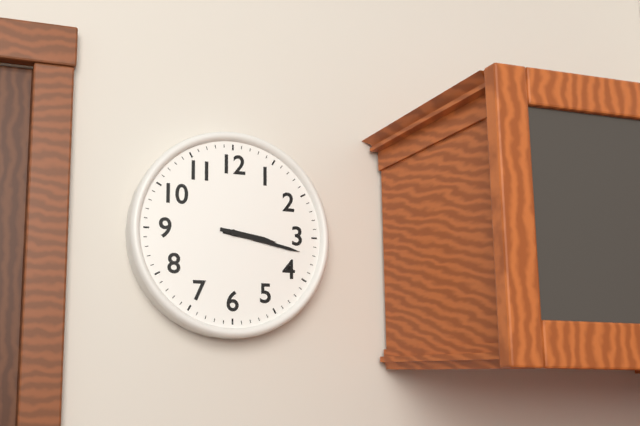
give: {"hour": 3, "minute": 17}
